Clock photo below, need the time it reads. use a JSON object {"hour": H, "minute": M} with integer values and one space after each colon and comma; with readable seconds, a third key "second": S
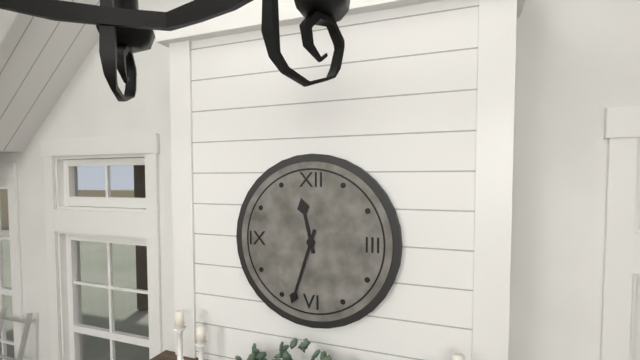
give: {"hour": 11, "minute": 33}
